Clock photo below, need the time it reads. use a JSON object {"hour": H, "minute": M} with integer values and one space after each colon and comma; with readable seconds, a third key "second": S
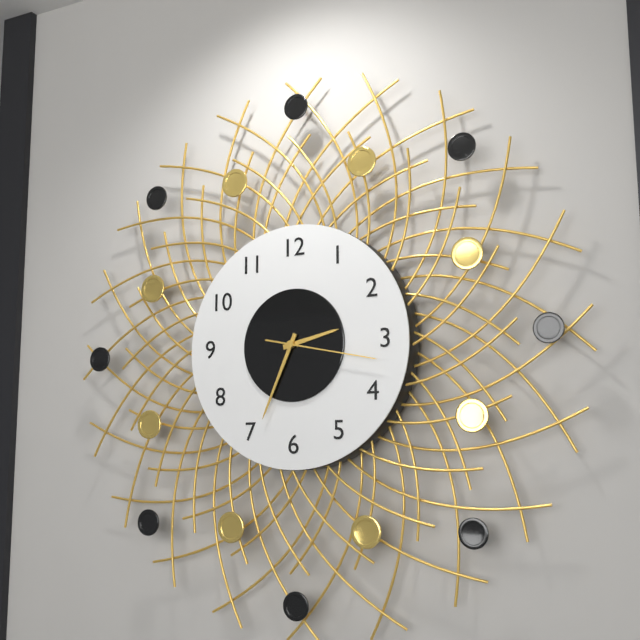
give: {"hour": 2, "minute": 34, "second": 17}
